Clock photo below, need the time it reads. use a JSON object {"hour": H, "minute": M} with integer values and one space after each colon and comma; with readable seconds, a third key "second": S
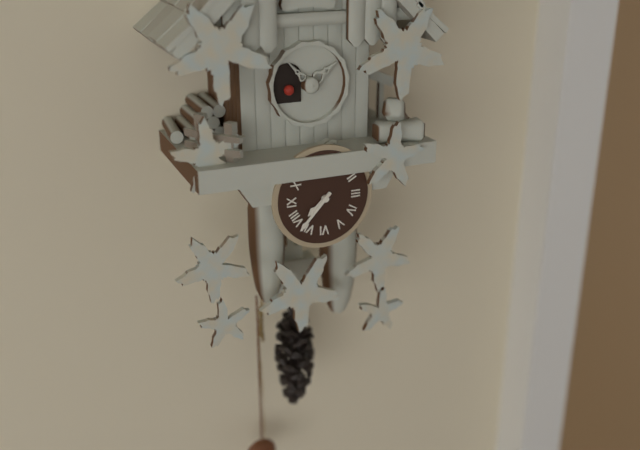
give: {"hour": 7, "minute": 37}
